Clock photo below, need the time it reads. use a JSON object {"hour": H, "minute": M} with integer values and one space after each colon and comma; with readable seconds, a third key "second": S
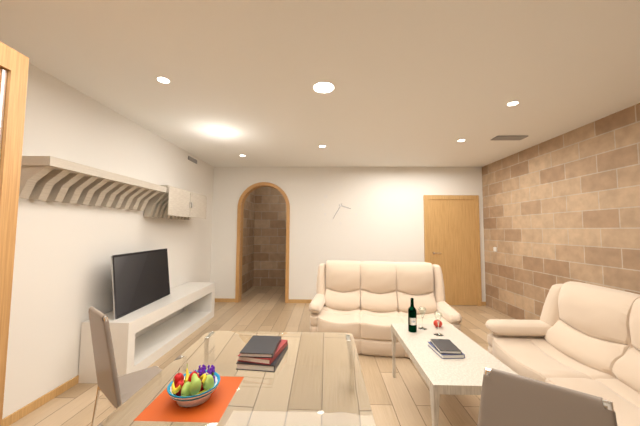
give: {"hour": 3, "minute": 35}
